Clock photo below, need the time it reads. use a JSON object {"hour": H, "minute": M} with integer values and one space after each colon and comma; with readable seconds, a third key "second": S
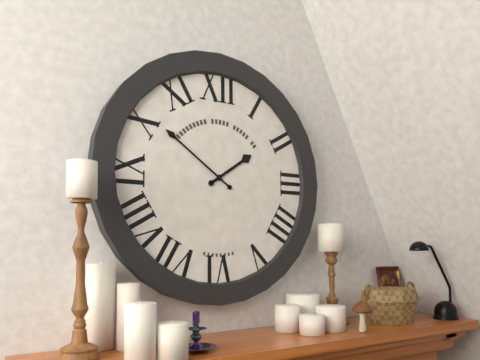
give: {"hour": 1, "minute": 51}
